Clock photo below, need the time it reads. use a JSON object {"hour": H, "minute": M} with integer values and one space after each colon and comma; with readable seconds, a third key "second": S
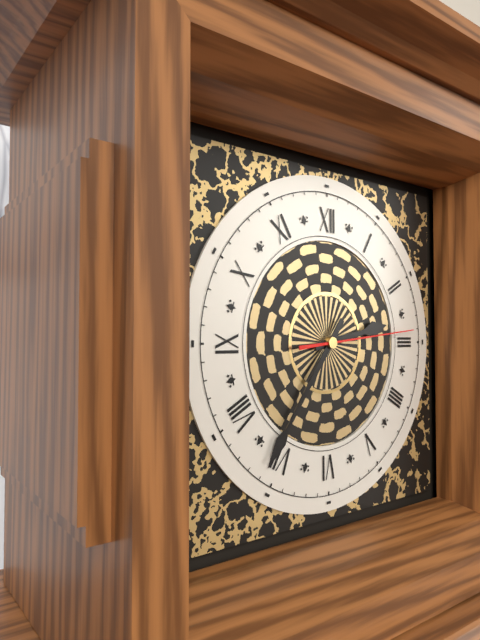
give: {"hour": 2, "minute": 36, "second": 14}
